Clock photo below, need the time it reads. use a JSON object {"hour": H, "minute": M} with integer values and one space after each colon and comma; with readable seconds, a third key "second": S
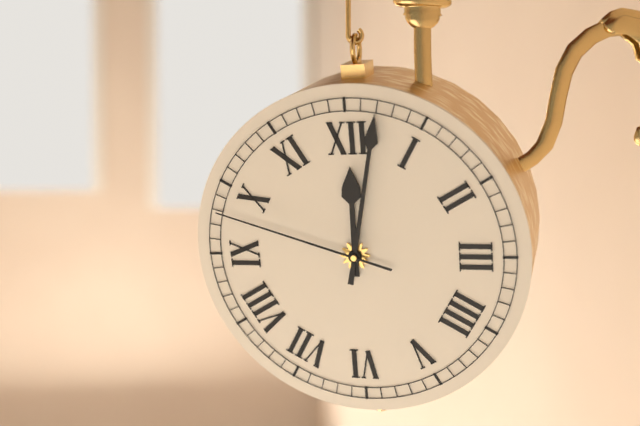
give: {"hour": 12, "minute": 2, "second": 48}
